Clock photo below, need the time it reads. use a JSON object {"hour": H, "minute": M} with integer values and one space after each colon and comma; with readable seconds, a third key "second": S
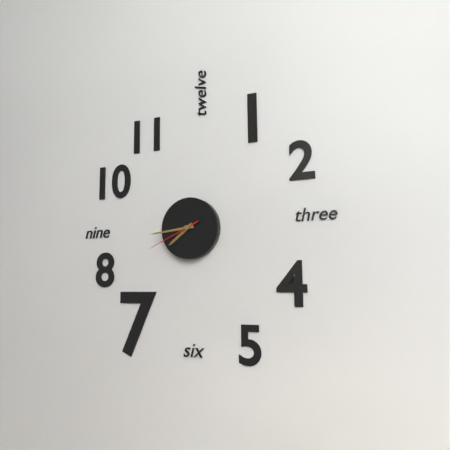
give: {"hour": 7, "minute": 44, "second": 41}
